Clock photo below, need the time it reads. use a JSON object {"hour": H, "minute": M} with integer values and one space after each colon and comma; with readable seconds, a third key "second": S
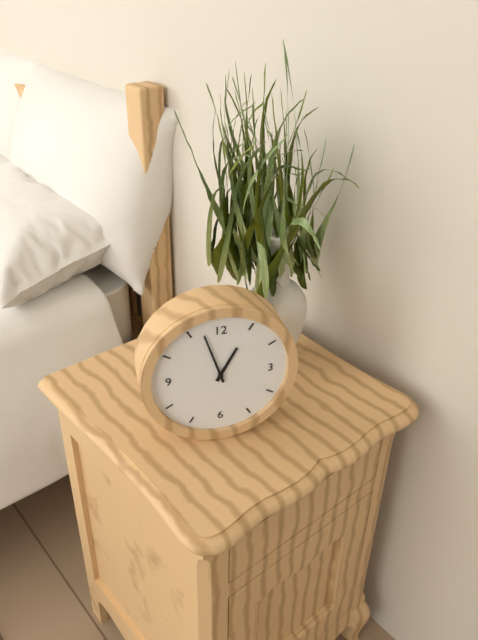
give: {"hour": 12, "minute": 57}
